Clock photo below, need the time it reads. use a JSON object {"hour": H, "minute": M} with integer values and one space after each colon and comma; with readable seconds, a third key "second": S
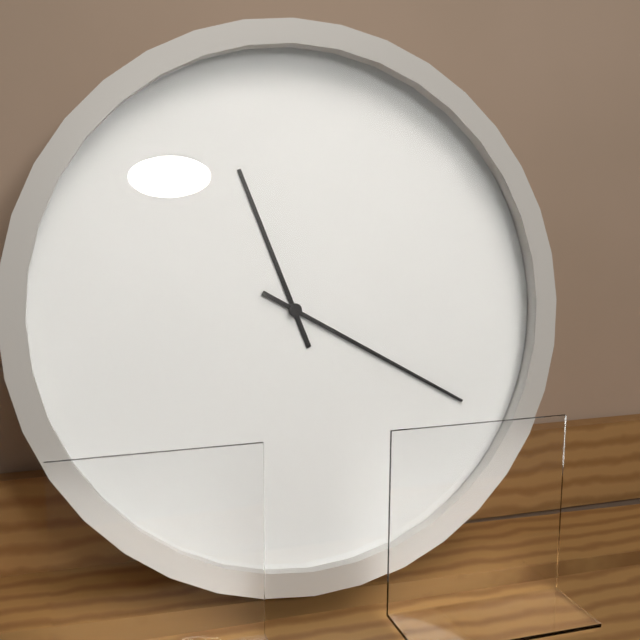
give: {"hour": 11, "minute": 20}
